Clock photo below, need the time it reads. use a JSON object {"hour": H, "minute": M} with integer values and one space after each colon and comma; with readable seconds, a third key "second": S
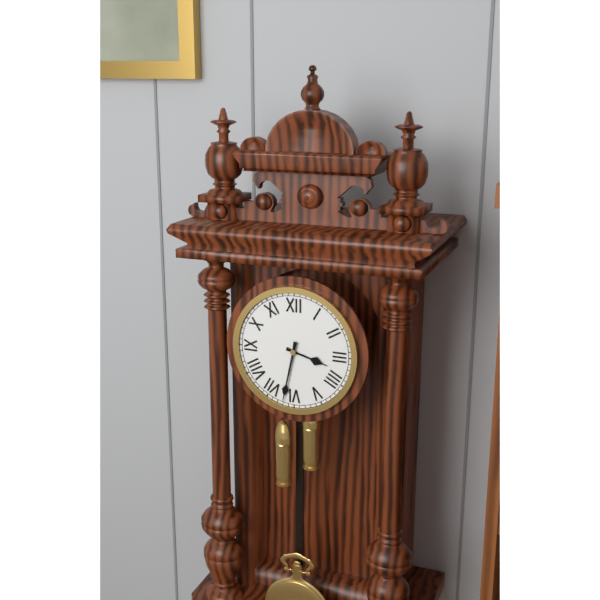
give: {"hour": 3, "minute": 32}
